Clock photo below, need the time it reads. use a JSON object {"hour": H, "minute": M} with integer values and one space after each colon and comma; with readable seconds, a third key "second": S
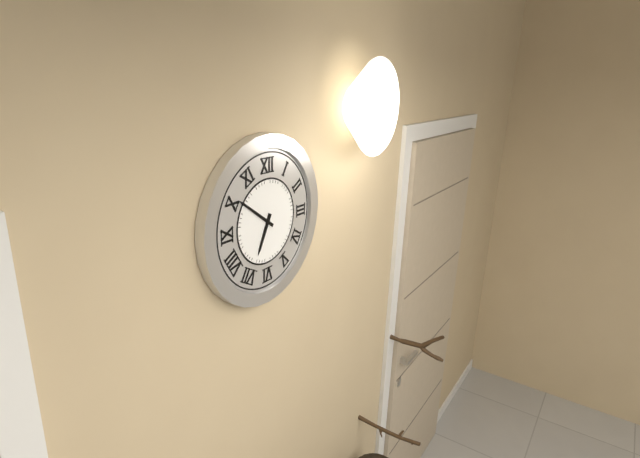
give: {"hour": 6, "minute": 51}
